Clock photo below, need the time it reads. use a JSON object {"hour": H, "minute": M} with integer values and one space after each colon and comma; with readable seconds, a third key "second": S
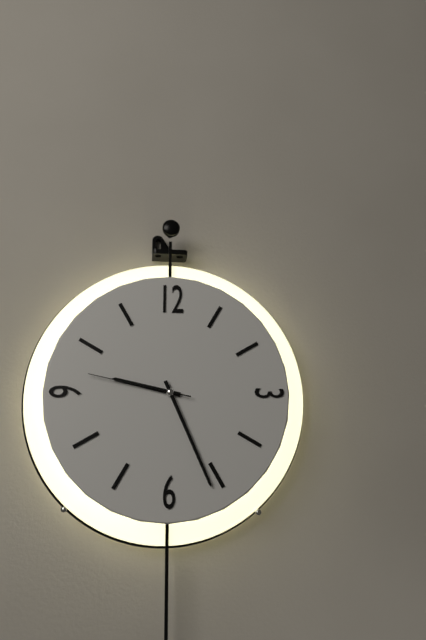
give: {"hour": 9, "minute": 26, "second": 47}
